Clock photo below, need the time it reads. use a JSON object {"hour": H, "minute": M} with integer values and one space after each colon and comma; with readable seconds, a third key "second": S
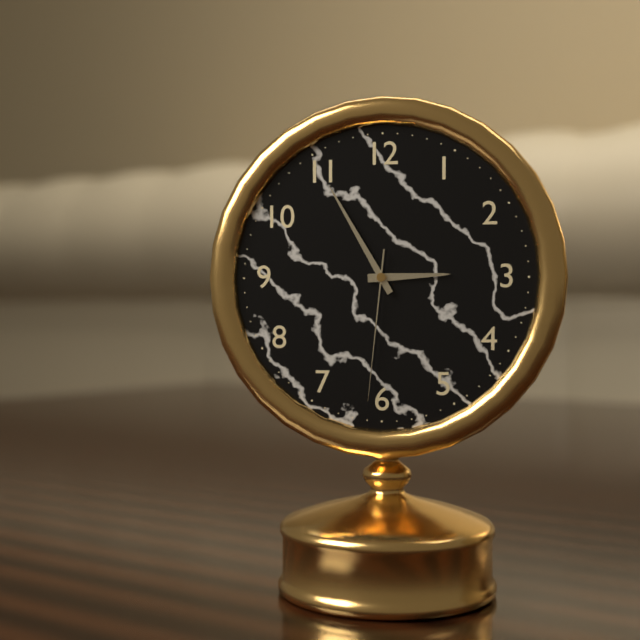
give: {"hour": 2, "minute": 55, "second": 31}
